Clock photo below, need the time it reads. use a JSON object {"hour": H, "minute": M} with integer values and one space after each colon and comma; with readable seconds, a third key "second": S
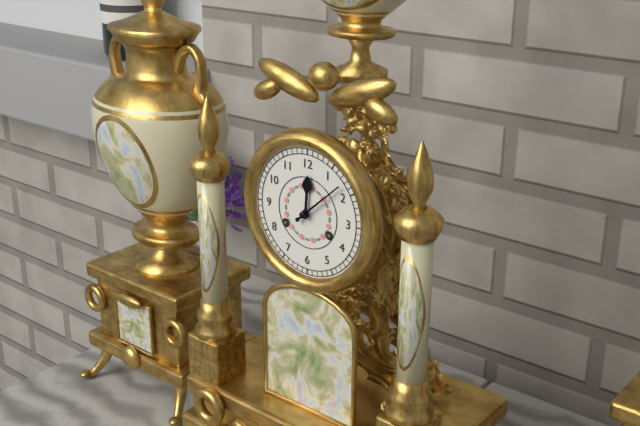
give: {"hour": 12, "minute": 8}
